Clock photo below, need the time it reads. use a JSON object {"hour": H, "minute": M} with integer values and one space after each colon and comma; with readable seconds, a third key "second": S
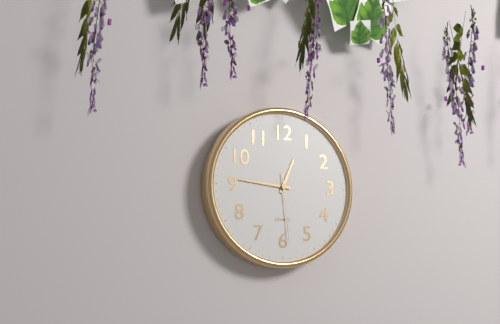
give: {"hour": 12, "minute": 46, "second": 29}
